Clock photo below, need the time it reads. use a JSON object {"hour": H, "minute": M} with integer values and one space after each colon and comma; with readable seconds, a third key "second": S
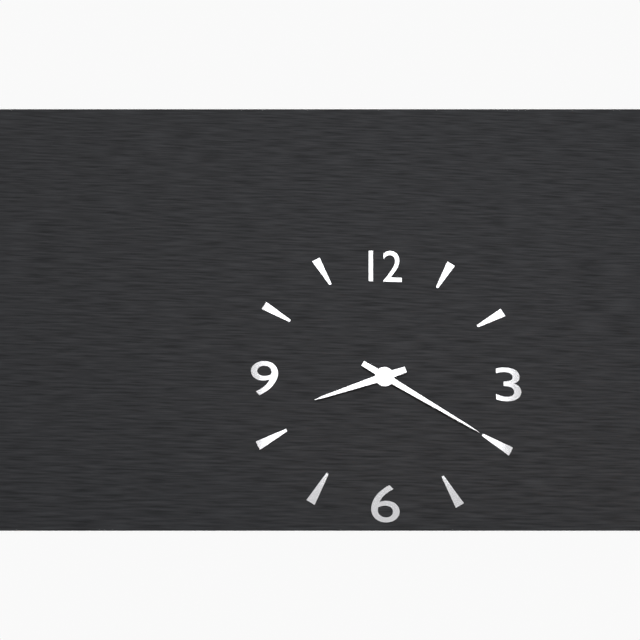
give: {"hour": 8, "minute": 20}
